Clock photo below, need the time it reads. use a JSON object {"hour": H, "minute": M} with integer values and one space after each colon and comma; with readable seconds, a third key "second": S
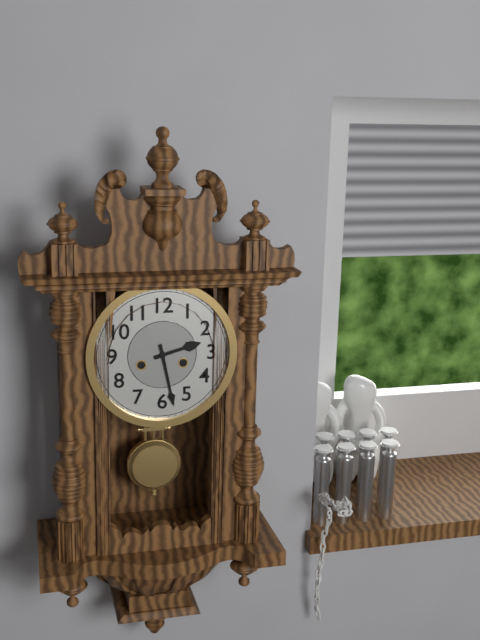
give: {"hour": 2, "minute": 28}
